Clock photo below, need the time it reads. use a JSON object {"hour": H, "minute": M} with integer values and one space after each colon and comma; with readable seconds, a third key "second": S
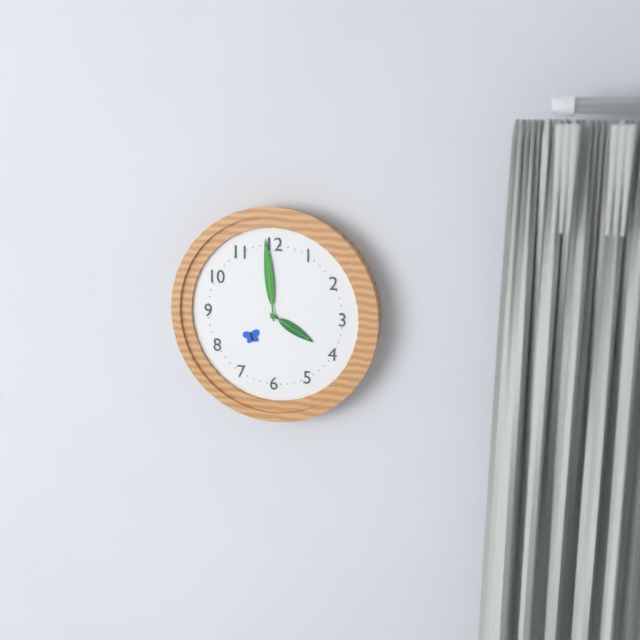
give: {"hour": 3, "minute": 59}
